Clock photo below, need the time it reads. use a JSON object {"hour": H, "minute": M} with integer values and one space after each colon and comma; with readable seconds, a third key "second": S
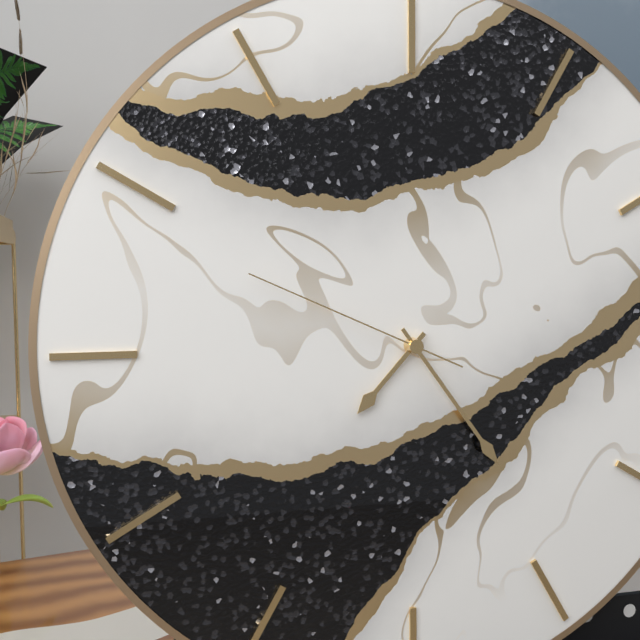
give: {"hour": 7, "minute": 24, "second": 49}
